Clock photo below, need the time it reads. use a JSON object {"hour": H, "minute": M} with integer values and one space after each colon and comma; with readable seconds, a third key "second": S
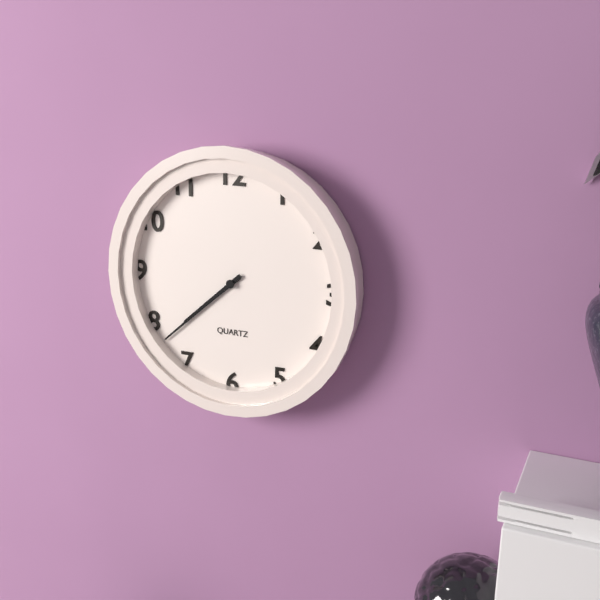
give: {"hour": 7, "minute": 38}
